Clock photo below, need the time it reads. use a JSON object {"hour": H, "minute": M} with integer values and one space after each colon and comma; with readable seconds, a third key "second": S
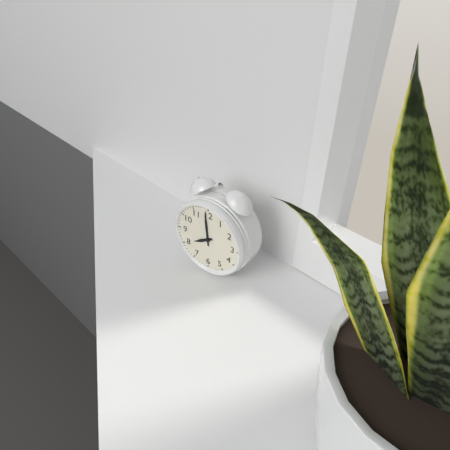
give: {"hour": 7, "minute": 59}
